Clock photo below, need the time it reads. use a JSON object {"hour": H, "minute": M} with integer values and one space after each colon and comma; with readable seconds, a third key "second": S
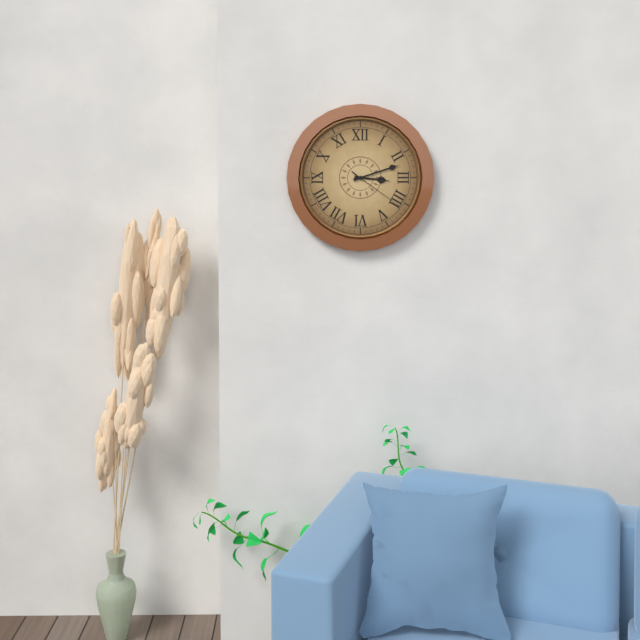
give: {"hour": 3, "minute": 12, "second": 21}
